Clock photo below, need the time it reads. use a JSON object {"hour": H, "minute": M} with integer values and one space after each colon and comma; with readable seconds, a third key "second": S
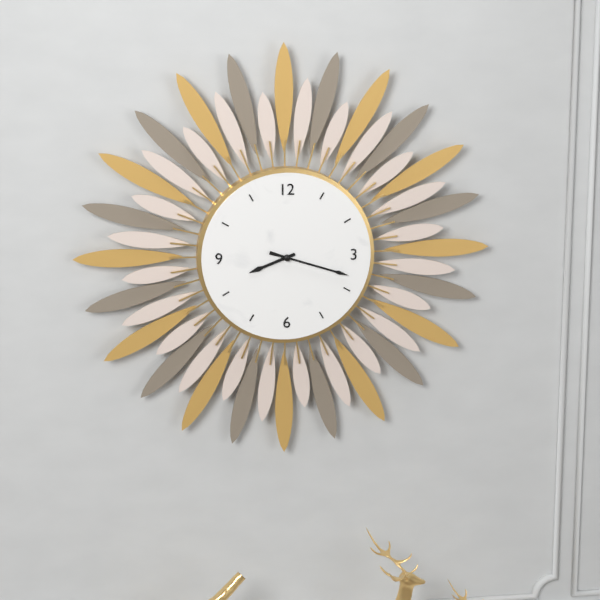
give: {"hour": 8, "minute": 18}
